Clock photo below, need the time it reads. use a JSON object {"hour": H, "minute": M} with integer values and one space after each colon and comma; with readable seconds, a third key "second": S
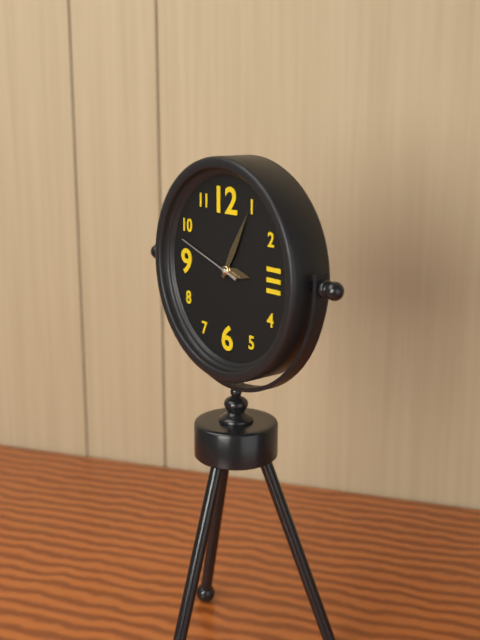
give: {"hour": 3, "minute": 5, "second": 48}
